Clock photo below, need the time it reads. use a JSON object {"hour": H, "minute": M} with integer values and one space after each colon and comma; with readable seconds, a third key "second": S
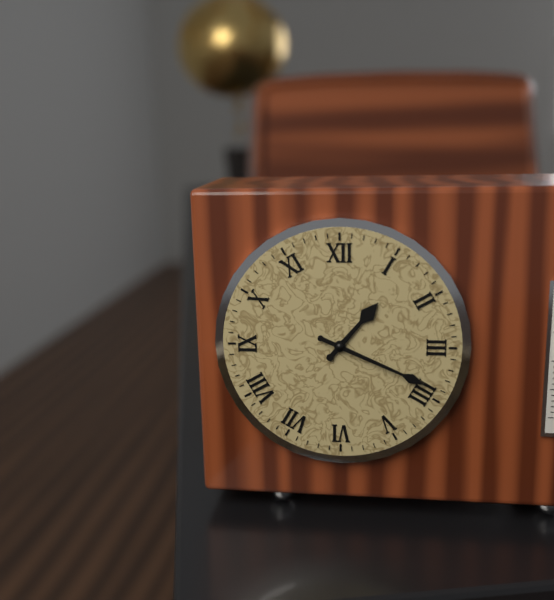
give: {"hour": 1, "minute": 19}
